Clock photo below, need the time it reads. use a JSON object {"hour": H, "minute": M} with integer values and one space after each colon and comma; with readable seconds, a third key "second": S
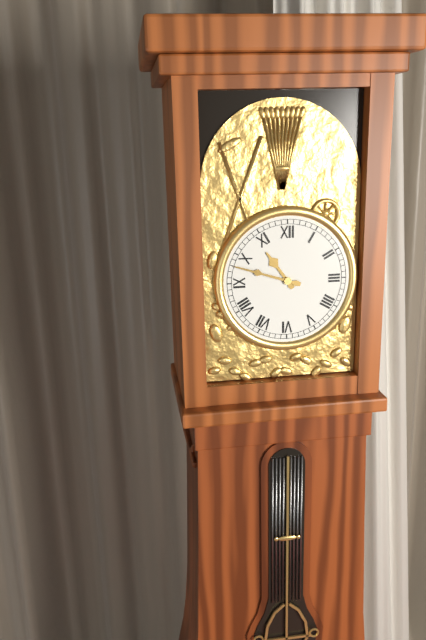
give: {"hour": 10, "minute": 48}
